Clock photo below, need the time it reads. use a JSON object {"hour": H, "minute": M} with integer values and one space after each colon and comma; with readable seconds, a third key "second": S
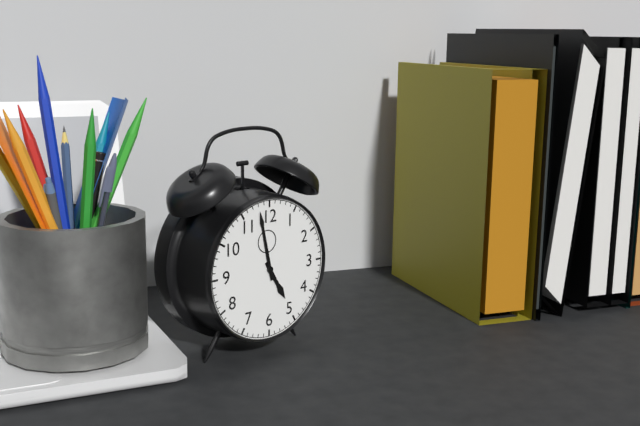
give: {"hour": 4, "minute": 58}
